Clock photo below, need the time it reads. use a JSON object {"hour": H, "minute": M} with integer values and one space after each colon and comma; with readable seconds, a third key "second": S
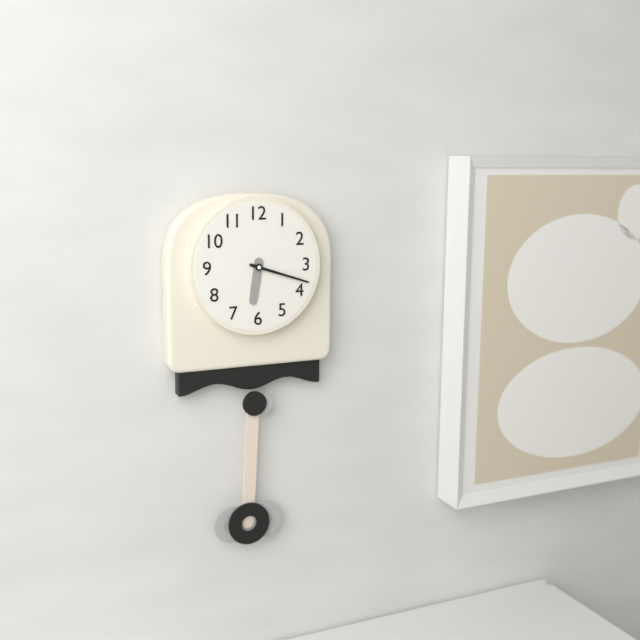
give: {"hour": 6, "minute": 18}
